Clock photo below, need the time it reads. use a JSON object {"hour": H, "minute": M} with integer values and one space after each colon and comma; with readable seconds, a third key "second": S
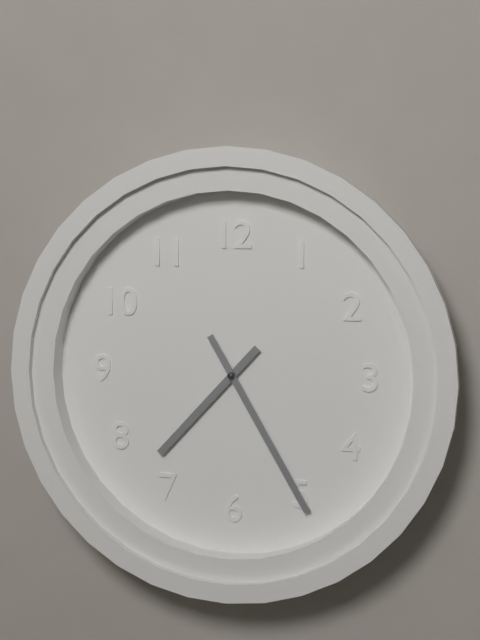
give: {"hour": 7, "minute": 25}
